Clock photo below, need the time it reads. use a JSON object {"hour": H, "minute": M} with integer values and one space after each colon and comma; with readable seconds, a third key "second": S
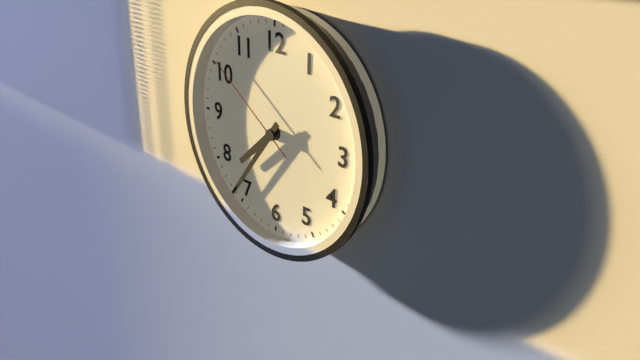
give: {"hour": 7, "minute": 36, "second": 51}
